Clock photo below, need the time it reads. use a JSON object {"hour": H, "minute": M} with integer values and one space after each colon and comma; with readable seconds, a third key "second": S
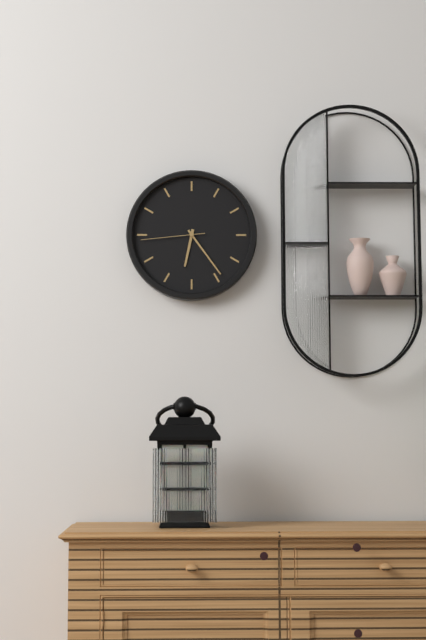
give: {"hour": 6, "minute": 24, "second": 44}
